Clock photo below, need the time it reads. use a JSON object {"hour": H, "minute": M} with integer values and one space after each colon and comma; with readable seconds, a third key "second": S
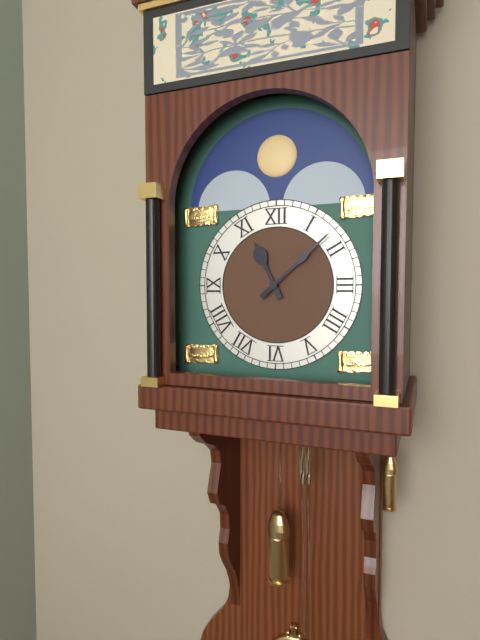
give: {"hour": 11, "minute": 8}
